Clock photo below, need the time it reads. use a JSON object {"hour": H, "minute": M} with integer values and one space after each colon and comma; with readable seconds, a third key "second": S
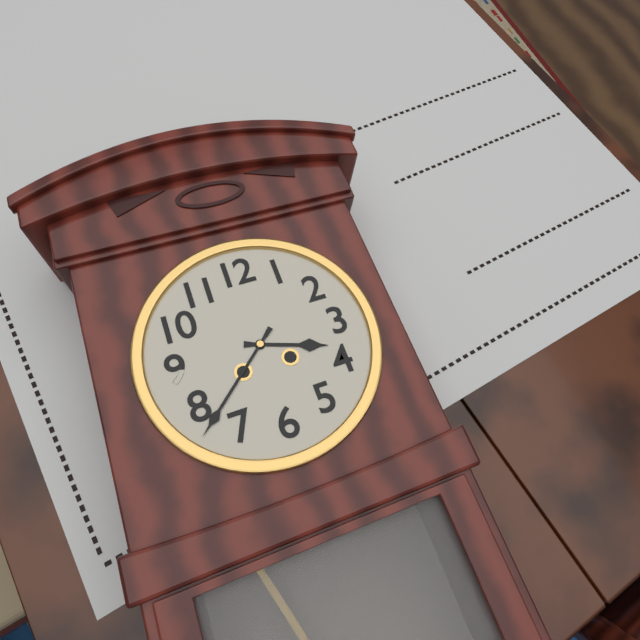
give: {"hour": 3, "minute": 38}
